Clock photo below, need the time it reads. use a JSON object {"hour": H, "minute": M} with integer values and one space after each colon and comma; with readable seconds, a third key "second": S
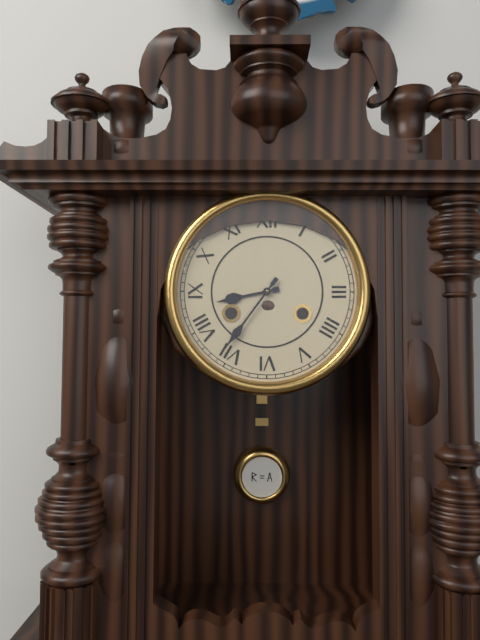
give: {"hour": 8, "minute": 36}
